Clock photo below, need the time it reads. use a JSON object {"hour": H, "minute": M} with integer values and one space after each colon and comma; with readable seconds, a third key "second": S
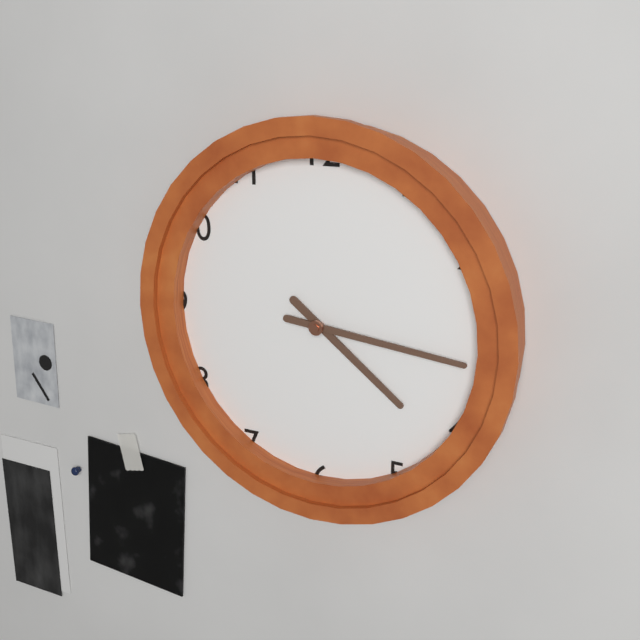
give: {"hour": 4, "minute": 16}
